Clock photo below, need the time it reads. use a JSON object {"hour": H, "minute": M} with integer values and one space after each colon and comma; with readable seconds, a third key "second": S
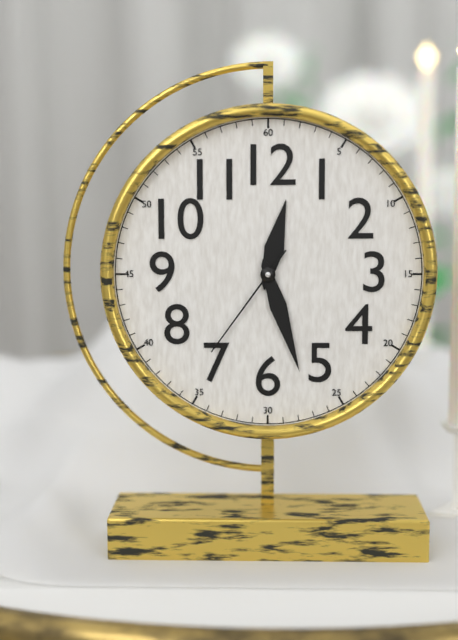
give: {"hour": 12, "minute": 27, "second": 36}
